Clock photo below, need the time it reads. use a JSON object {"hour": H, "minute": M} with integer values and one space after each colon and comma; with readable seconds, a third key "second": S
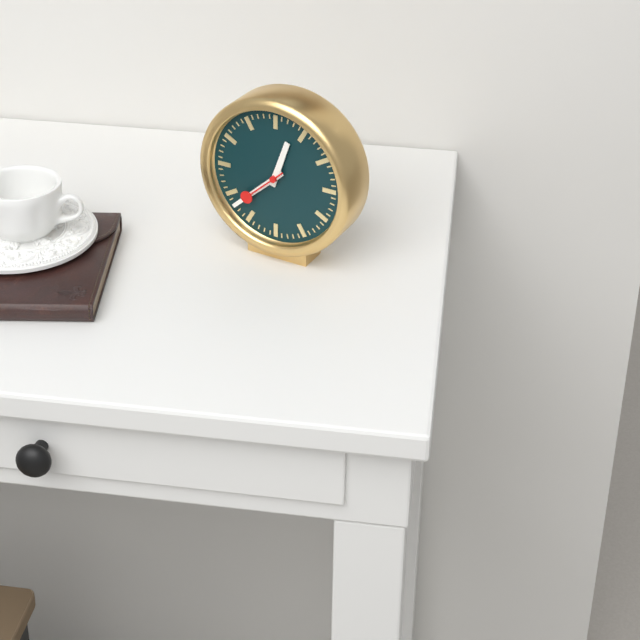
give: {"hour": 12, "minute": 38, "second": 38}
